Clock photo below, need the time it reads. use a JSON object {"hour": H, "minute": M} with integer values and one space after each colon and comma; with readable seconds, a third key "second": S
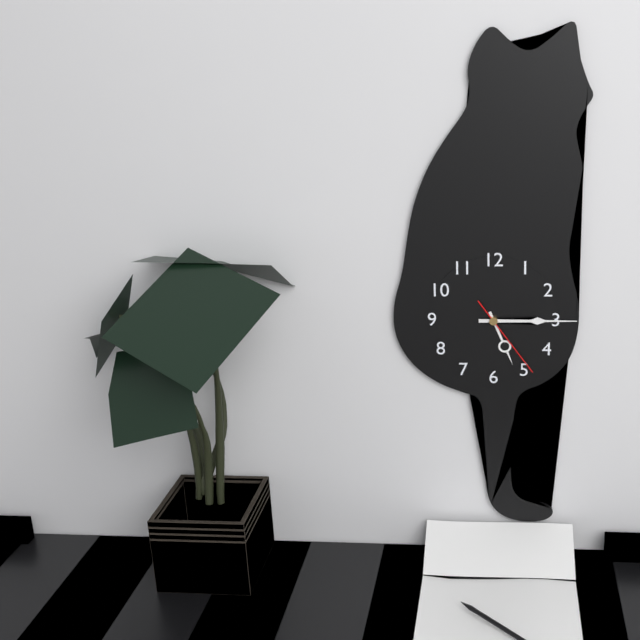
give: {"hour": 5, "minute": 15, "second": 24}
